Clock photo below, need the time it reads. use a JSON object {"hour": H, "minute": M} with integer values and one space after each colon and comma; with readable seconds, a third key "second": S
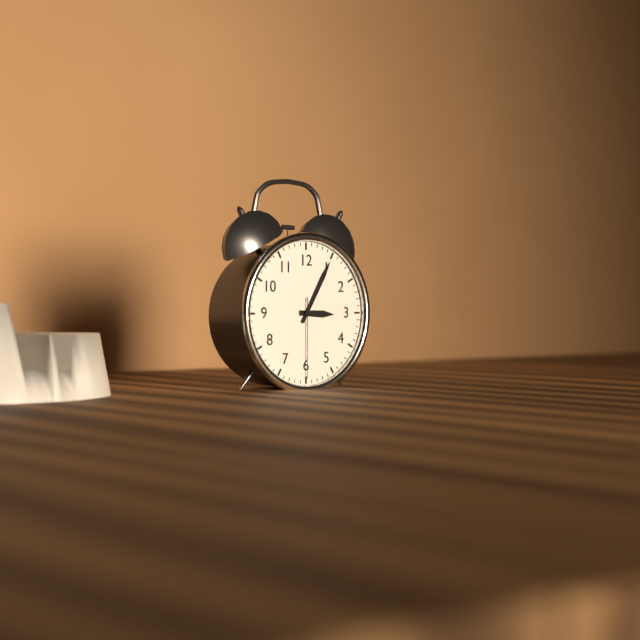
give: {"hour": 3, "minute": 5, "second": 30}
